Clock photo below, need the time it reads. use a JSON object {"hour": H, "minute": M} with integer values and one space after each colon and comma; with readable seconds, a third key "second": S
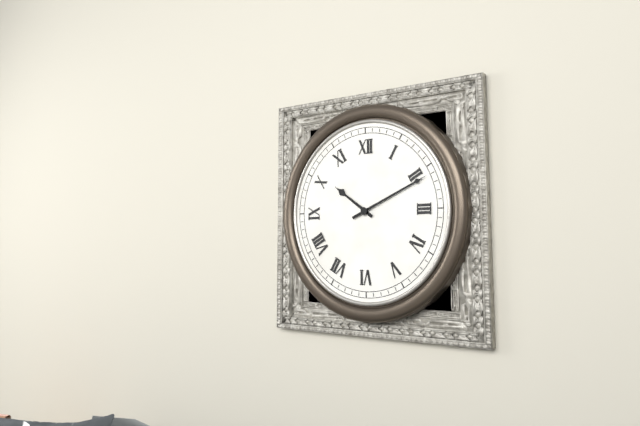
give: {"hour": 10, "minute": 11}
